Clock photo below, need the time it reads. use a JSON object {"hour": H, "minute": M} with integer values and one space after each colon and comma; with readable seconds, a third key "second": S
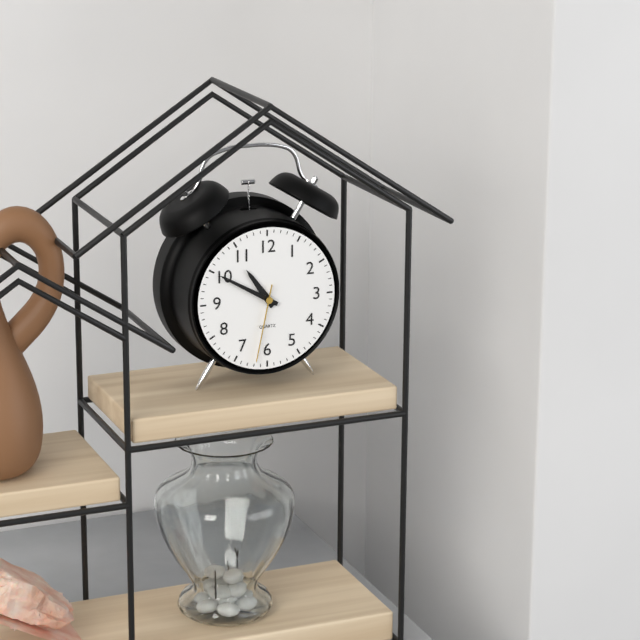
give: {"hour": 10, "minute": 50, "second": 32}
